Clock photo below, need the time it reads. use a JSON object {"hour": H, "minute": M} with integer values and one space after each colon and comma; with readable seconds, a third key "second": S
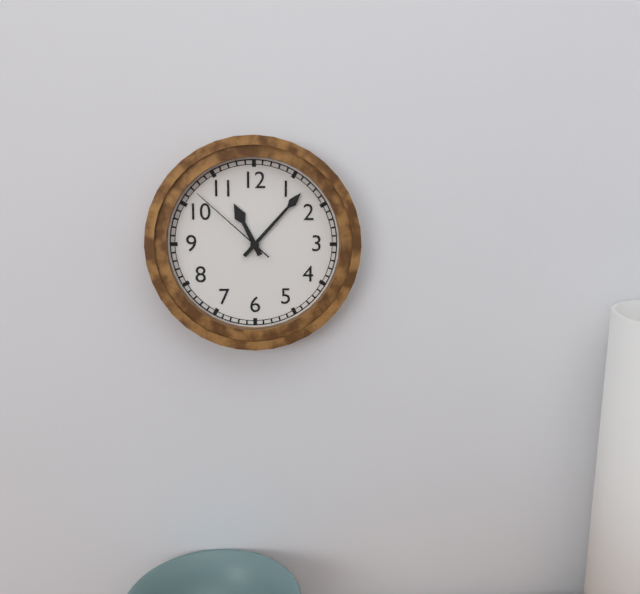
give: {"hour": 11, "minute": 7, "second": 52}
